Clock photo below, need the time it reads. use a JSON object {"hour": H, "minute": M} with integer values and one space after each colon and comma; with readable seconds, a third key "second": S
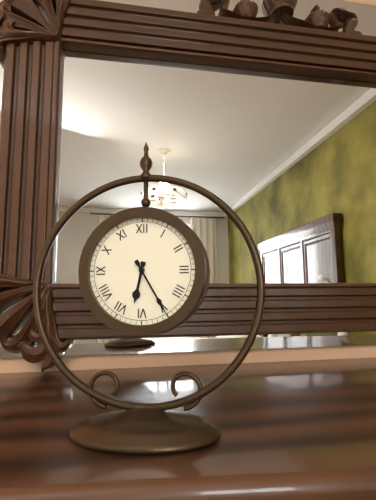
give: {"hour": 6, "minute": 25}
